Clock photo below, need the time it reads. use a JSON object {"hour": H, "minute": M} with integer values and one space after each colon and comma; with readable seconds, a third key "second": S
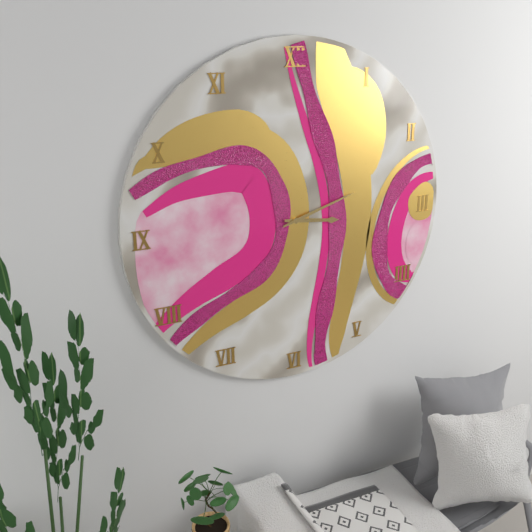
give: {"hour": 3, "minute": 12}
